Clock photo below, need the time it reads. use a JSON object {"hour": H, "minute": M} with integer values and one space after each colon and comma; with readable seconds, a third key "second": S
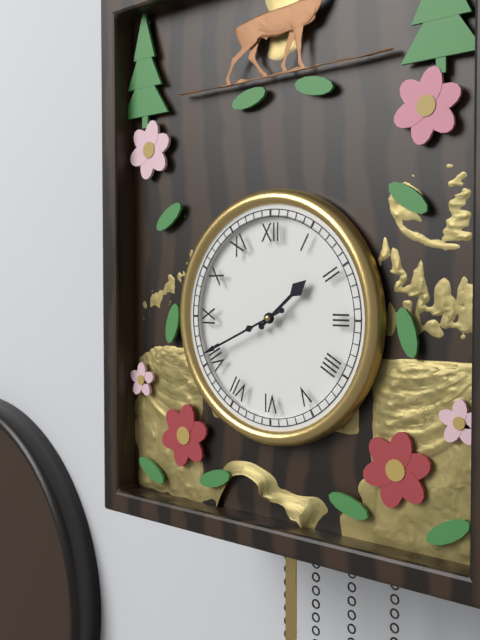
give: {"hour": 1, "minute": 41}
